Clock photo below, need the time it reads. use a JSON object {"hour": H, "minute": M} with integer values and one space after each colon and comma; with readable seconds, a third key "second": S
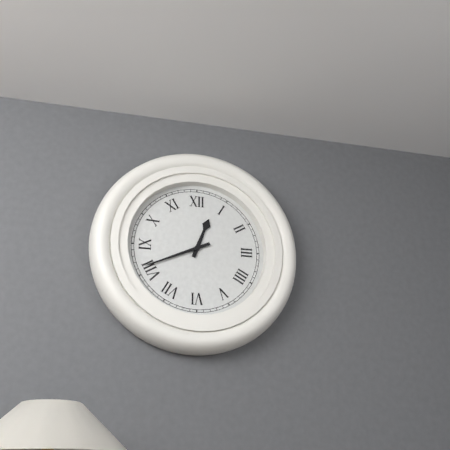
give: {"hour": 12, "minute": 41}
